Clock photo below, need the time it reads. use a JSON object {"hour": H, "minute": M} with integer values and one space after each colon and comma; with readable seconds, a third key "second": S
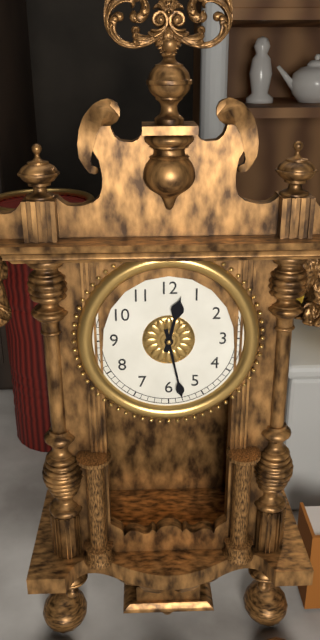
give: {"hour": 12, "minute": 28}
